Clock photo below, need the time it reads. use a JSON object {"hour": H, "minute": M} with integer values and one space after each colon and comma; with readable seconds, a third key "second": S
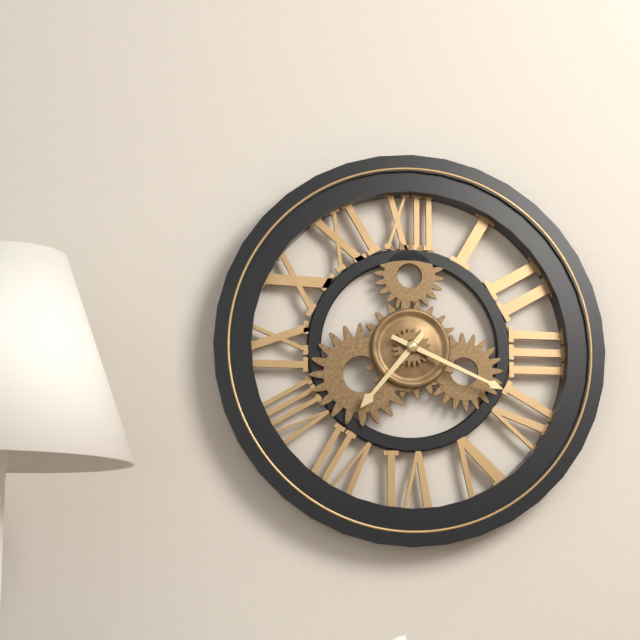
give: {"hour": 7, "minute": 19}
